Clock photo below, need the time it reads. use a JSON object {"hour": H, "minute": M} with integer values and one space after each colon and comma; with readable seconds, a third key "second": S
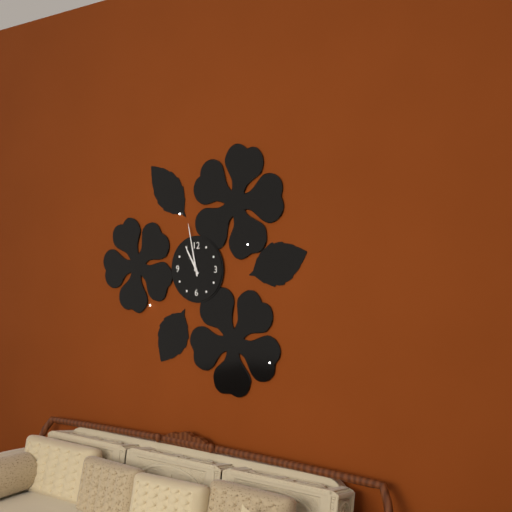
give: {"hour": 10, "minute": 58}
